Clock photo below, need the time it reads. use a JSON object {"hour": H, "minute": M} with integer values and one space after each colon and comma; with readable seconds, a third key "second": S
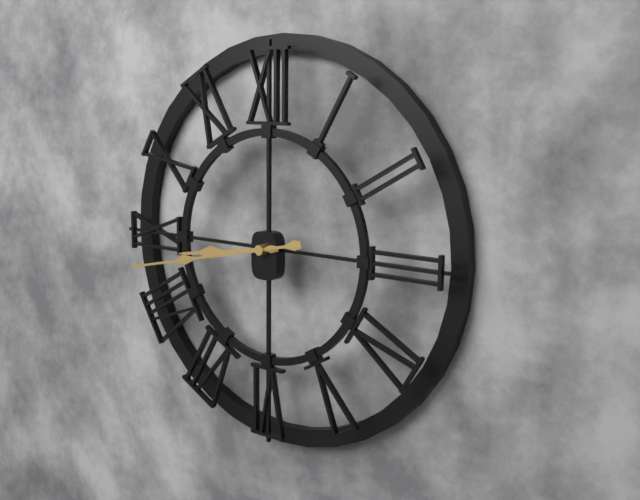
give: {"hour": 8, "minute": 43}
